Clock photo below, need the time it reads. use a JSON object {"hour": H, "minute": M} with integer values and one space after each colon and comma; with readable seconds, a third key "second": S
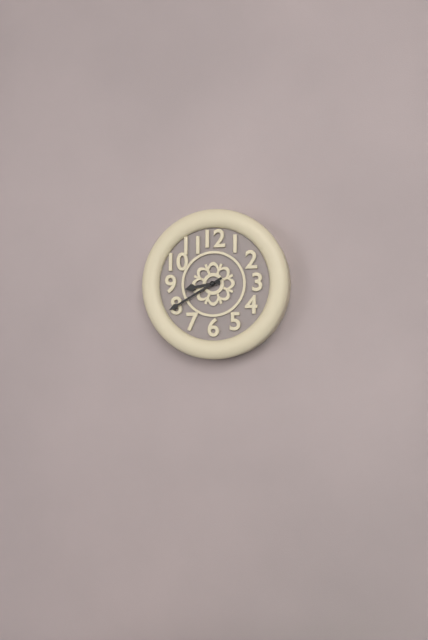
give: {"hour": 8, "minute": 40}
